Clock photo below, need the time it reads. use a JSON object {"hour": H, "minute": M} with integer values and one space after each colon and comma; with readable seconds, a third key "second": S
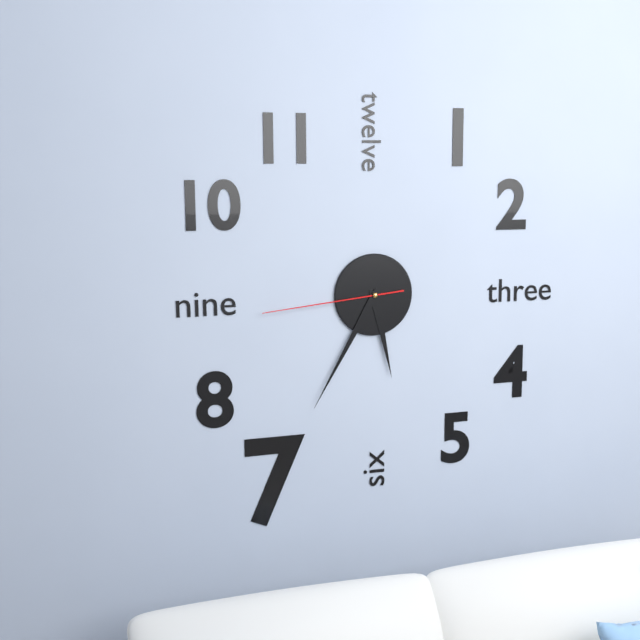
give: {"hour": 5, "minute": 35, "second": 44}
